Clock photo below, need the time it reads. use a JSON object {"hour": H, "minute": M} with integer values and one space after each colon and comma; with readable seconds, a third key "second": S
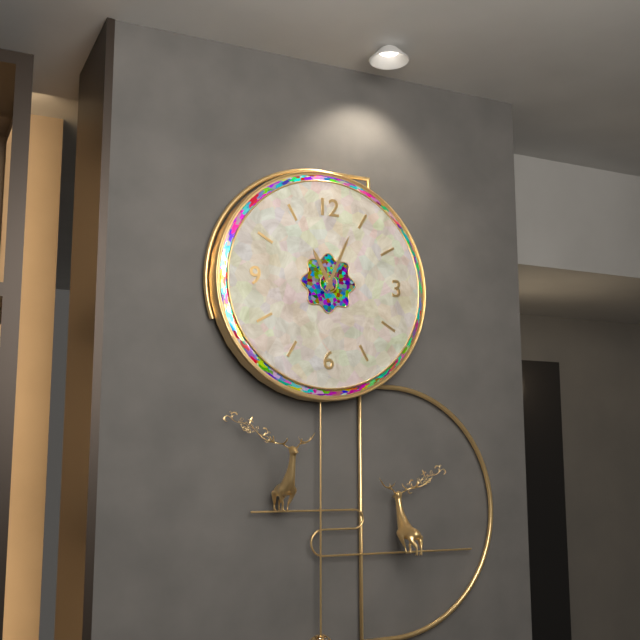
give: {"hour": 11, "minute": 4}
